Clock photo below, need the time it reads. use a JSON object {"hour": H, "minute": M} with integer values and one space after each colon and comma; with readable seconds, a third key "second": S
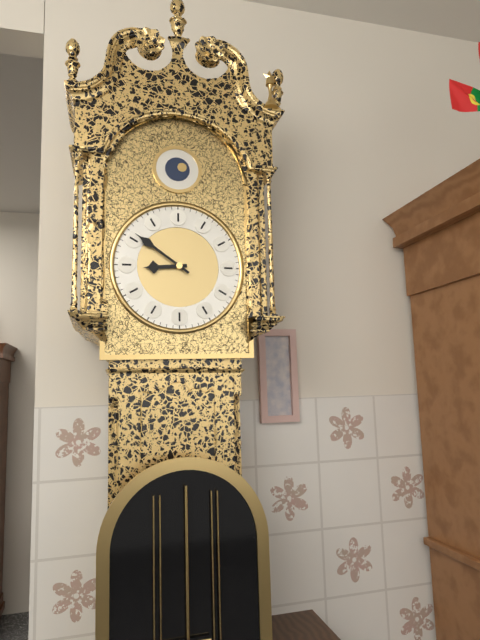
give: {"hour": 8, "minute": 51}
